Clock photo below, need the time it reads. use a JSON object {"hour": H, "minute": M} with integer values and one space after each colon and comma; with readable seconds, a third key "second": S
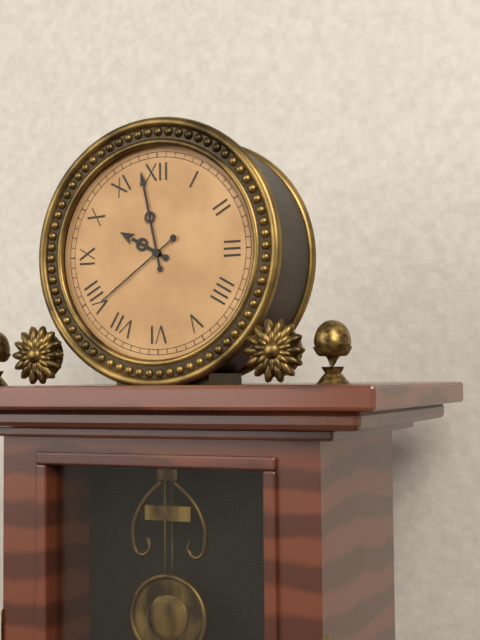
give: {"hour": 9, "minute": 58, "second": 39}
